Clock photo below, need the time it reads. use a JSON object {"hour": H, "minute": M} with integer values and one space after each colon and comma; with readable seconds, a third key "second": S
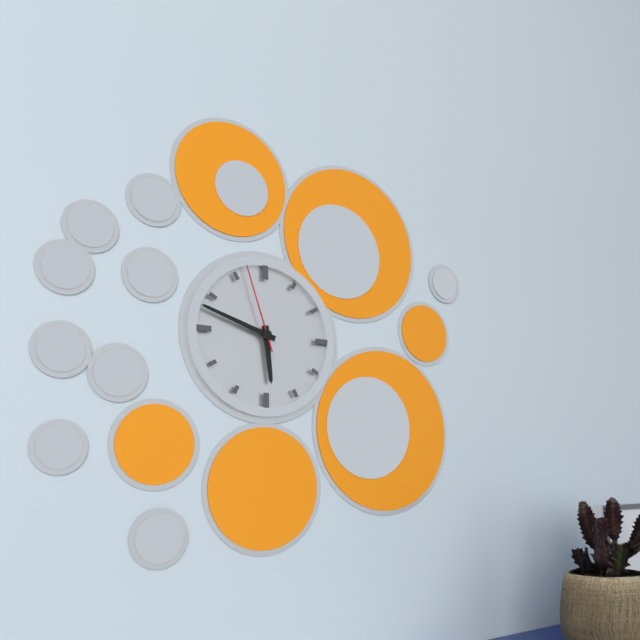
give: {"hour": 5, "minute": 48, "second": 57}
